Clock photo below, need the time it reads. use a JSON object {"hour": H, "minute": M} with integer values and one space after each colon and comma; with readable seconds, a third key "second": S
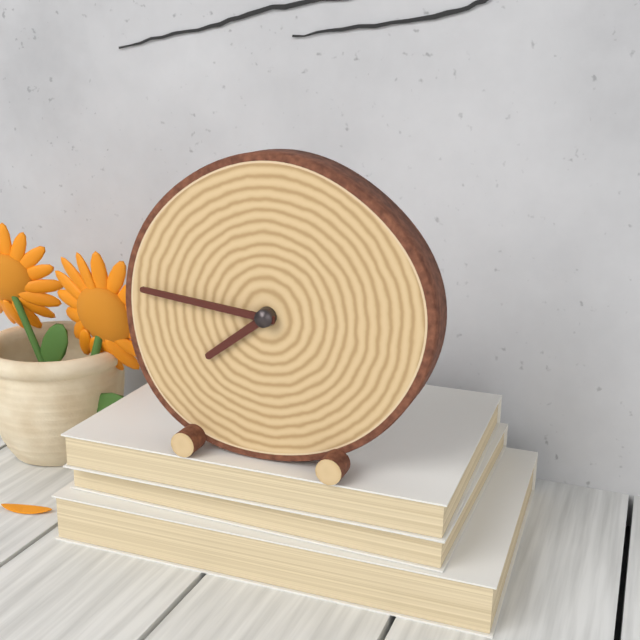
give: {"hour": 7, "minute": 46}
